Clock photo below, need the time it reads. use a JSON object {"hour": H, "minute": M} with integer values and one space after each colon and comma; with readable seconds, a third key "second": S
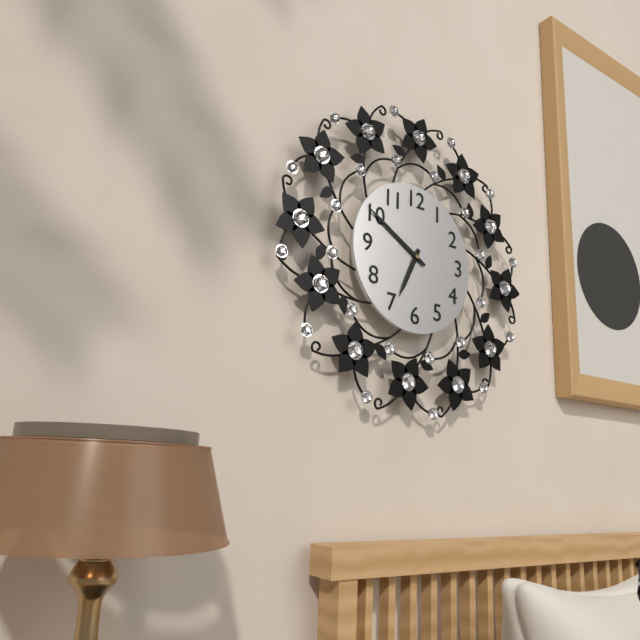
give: {"hour": 6, "minute": 50}
